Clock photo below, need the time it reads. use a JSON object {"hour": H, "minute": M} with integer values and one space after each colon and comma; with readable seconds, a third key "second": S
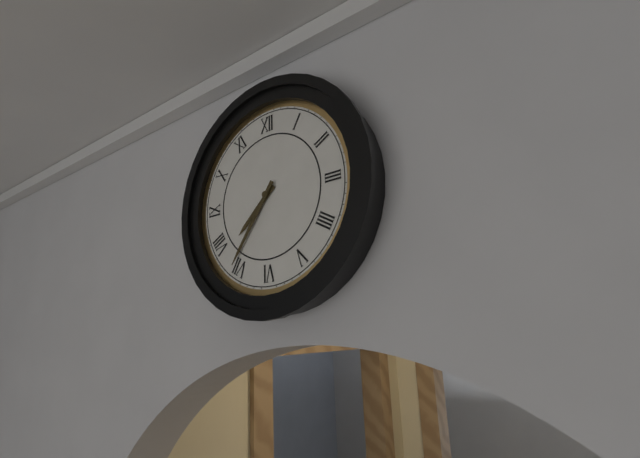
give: {"hour": 7, "minute": 36}
